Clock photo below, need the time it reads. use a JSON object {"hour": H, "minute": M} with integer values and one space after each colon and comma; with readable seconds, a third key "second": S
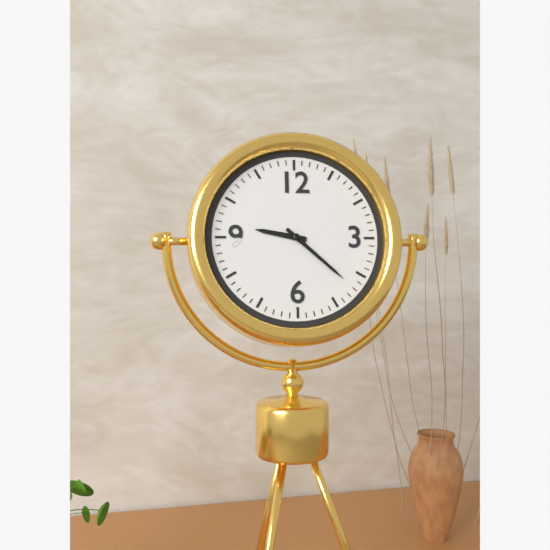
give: {"hour": 9, "minute": 22}
